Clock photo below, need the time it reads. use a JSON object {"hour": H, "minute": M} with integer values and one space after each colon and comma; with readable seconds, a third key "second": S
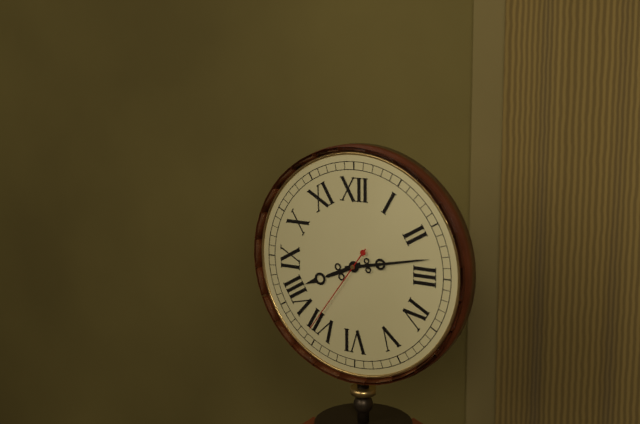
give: {"hour": 8, "minute": 13, "second": 36}
